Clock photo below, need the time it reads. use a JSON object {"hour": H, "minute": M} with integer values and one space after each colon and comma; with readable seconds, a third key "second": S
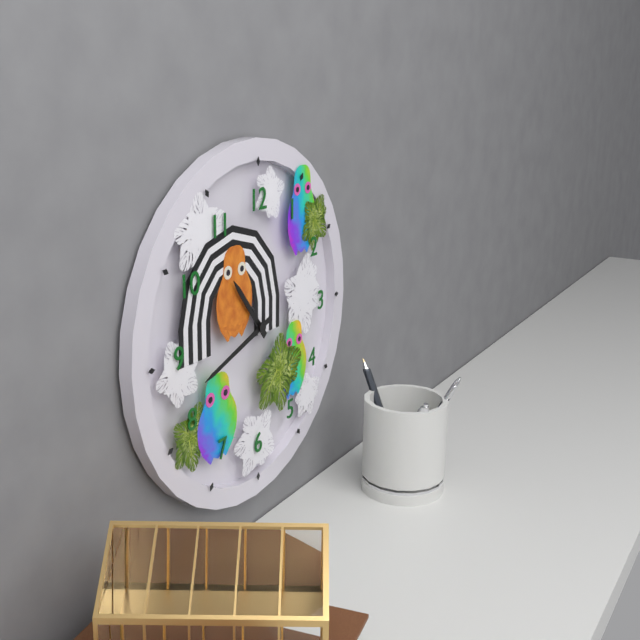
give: {"hour": 10, "minute": 42}
